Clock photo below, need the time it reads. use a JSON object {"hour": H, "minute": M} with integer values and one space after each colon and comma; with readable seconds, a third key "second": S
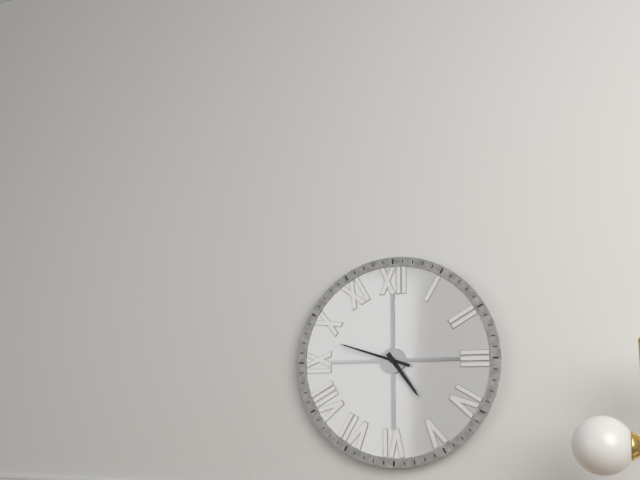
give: {"hour": 4, "minute": 48}
